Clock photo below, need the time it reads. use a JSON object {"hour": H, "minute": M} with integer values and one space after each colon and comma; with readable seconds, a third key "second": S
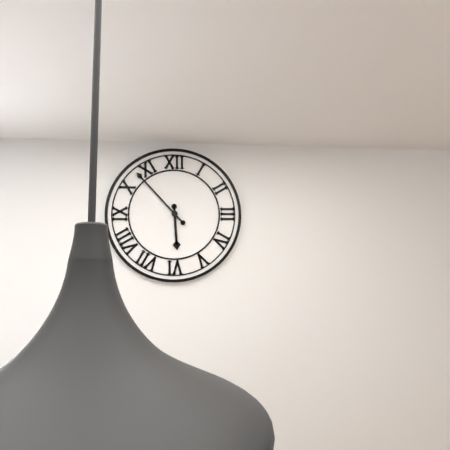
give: {"hour": 5, "minute": 53}
